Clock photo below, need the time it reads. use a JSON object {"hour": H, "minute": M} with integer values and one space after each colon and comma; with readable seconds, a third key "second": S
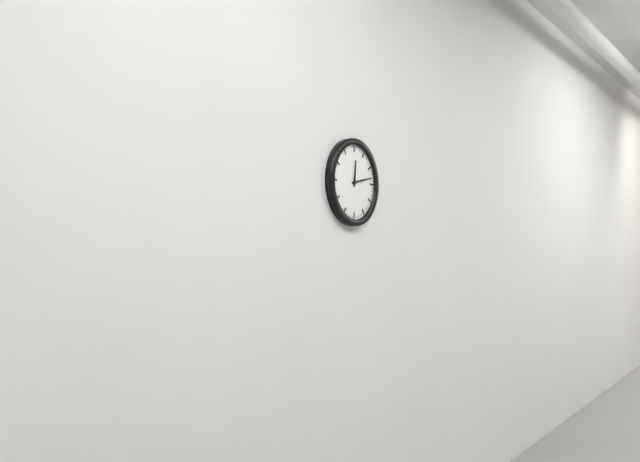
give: {"hour": 12, "minute": 13}
